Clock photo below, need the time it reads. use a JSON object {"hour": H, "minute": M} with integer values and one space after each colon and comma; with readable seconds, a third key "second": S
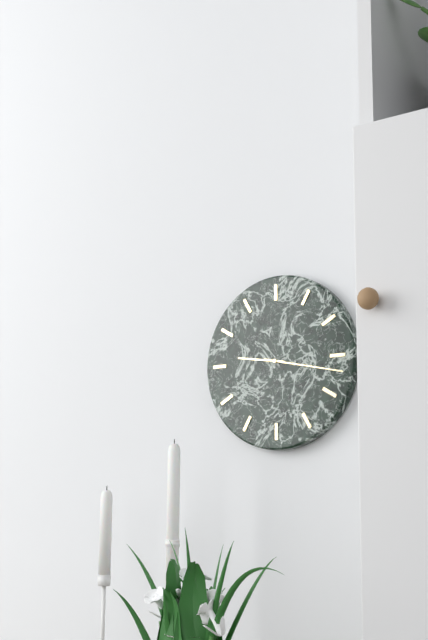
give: {"hour": 9, "minute": 17}
